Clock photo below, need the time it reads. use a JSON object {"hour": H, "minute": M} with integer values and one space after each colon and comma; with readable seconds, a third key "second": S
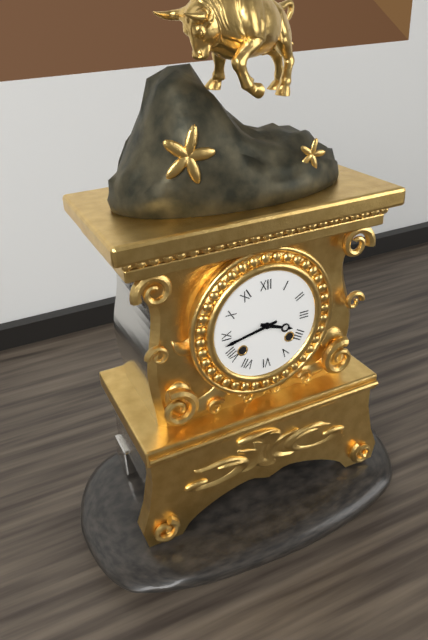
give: {"hour": 3, "minute": 43}
